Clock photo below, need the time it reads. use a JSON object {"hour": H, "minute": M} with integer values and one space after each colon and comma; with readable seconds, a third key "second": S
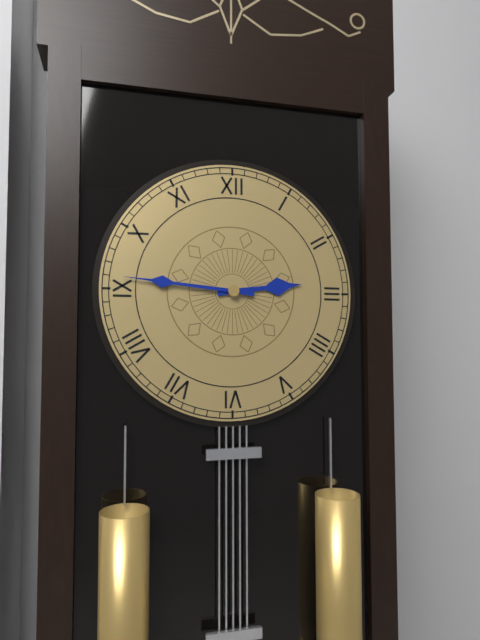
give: {"hour": 2, "minute": 46}
